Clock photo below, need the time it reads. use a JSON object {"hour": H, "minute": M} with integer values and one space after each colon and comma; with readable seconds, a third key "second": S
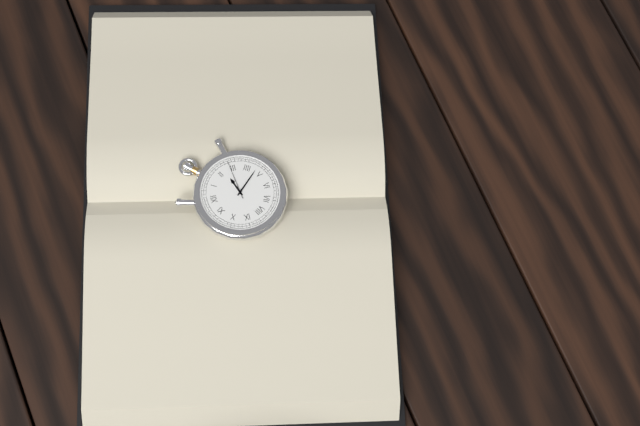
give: {"hour": 2, "minute": 23}
